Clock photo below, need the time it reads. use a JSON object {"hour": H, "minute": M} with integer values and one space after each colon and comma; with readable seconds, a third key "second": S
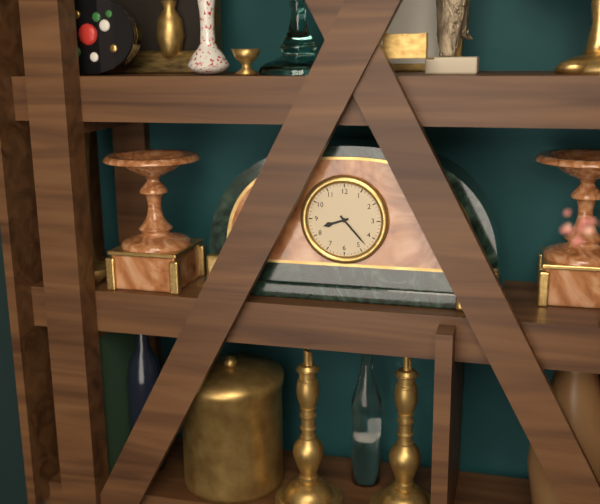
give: {"hour": 8, "minute": 23}
